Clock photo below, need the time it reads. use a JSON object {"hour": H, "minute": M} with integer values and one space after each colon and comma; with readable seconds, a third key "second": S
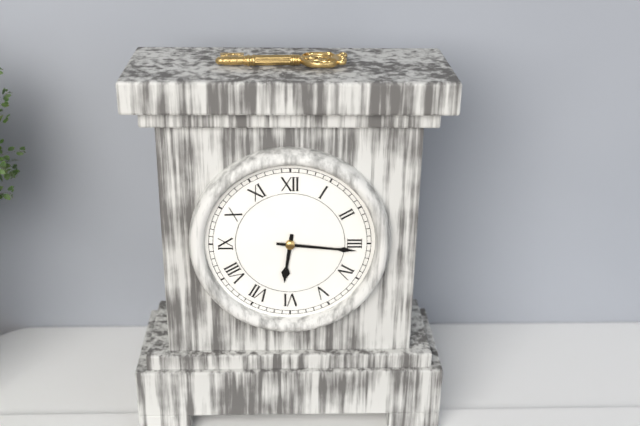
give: {"hour": 6, "minute": 16}
